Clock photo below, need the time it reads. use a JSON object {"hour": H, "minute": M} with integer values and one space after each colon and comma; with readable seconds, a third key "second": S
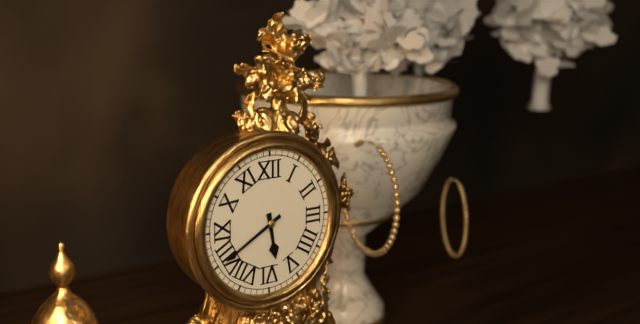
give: {"hour": 5, "minute": 40}
